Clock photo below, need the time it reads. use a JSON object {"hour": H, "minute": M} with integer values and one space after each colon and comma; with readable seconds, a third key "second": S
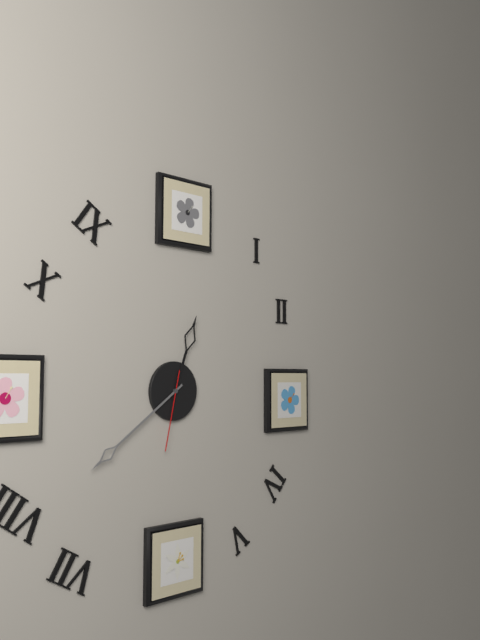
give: {"hour": 12, "minute": 39, "second": 32}
